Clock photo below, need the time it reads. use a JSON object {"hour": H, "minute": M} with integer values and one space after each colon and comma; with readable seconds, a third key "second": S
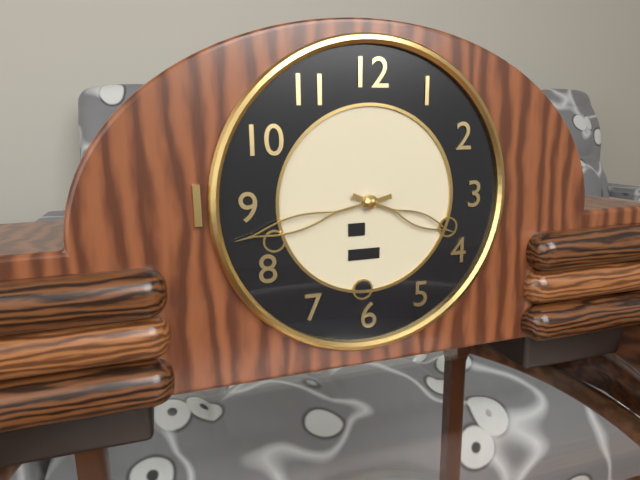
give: {"hour": 3, "minute": 43}
